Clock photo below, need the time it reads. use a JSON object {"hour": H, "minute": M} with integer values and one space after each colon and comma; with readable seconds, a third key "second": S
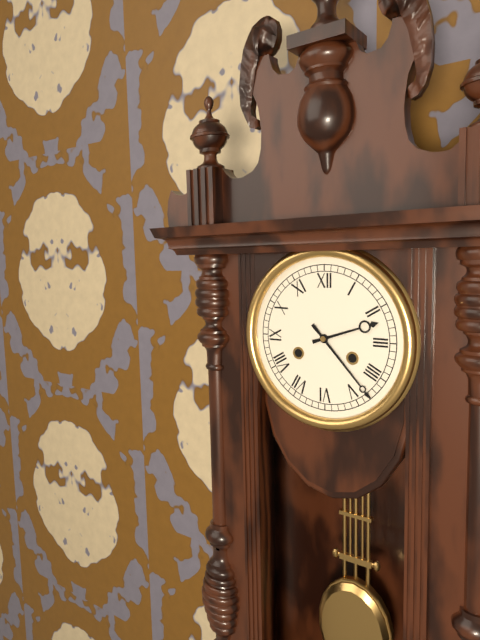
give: {"hour": 2, "minute": 23}
